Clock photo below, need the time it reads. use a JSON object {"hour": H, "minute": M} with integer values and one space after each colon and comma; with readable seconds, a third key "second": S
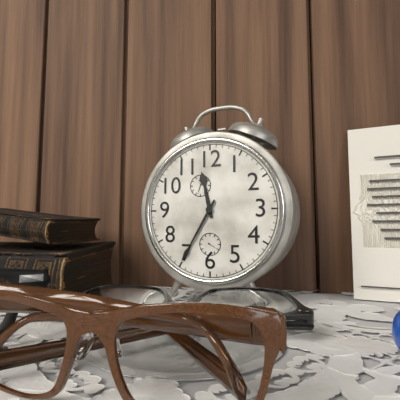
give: {"hour": 11, "minute": 35}
